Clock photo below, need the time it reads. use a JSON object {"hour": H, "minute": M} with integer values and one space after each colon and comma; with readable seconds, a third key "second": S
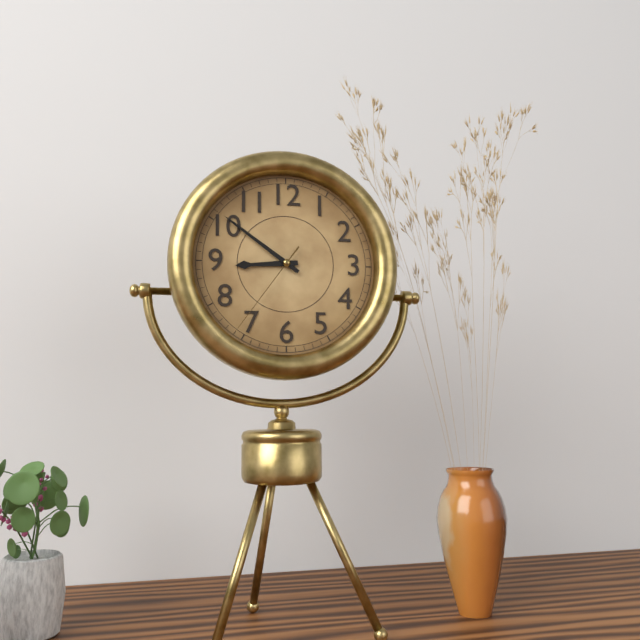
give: {"hour": 8, "minute": 51, "second": 36}
